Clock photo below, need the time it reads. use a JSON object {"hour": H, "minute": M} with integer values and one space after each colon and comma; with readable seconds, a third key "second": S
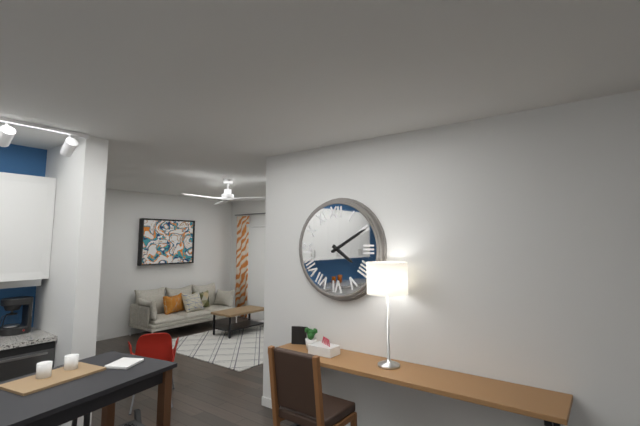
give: {"hour": 4, "minute": 10}
